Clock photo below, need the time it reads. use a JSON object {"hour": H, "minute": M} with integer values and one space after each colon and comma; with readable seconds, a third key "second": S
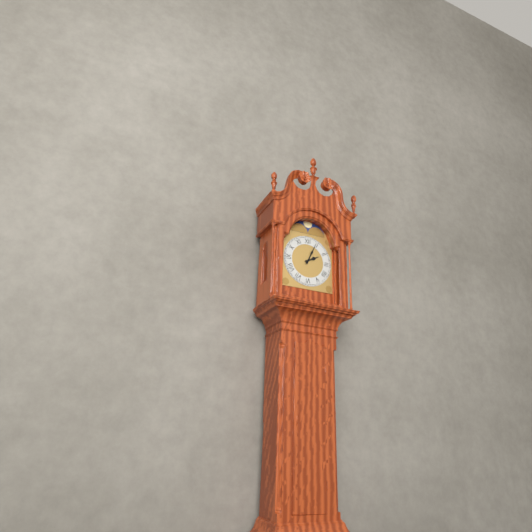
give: {"hour": 2, "minute": 4}
